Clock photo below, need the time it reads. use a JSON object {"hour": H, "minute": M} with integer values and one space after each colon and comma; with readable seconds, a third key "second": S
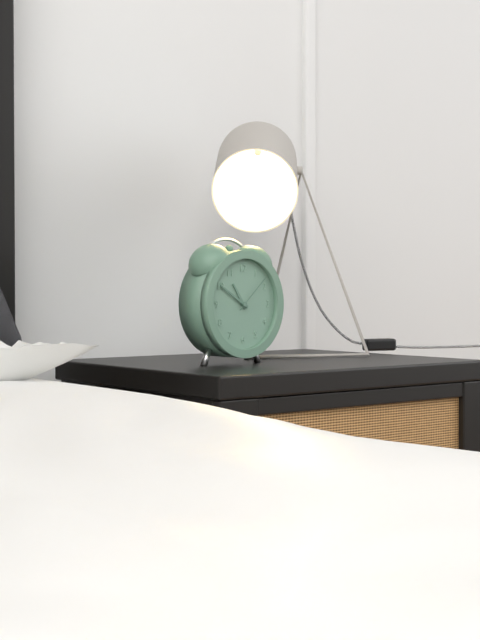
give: {"hour": 10, "minute": 50}
